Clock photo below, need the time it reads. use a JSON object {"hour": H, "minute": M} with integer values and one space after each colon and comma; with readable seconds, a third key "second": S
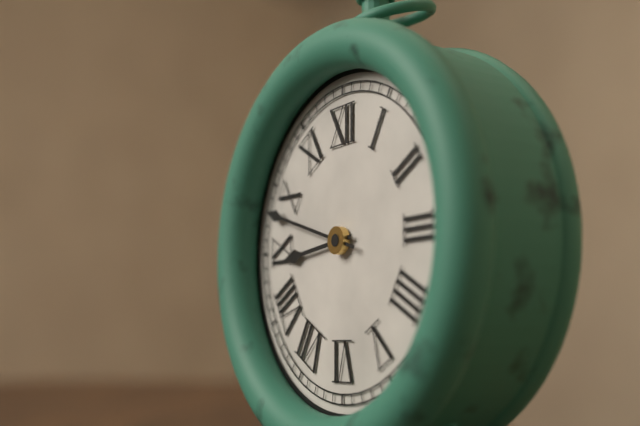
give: {"hour": 8, "minute": 48}
